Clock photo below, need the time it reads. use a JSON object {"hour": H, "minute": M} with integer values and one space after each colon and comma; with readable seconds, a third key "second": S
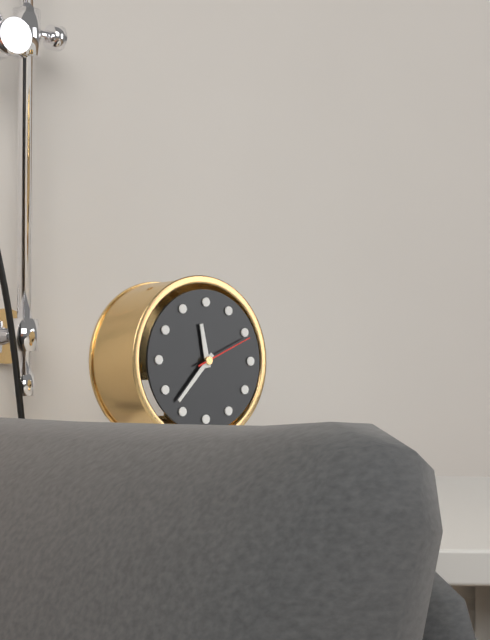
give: {"hour": 11, "minute": 37, "second": 11}
